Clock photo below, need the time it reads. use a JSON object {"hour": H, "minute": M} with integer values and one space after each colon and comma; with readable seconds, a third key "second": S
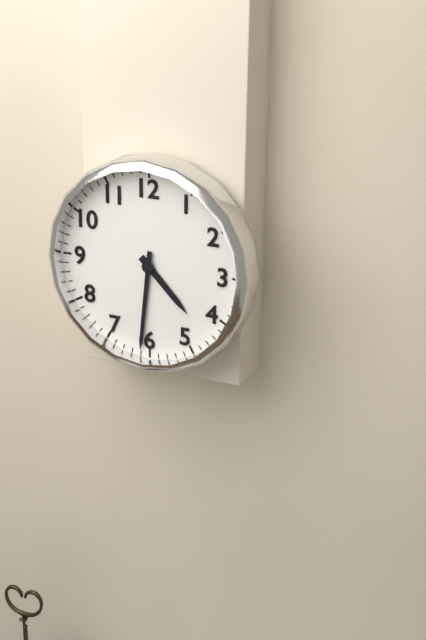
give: {"hour": 4, "minute": 31}
